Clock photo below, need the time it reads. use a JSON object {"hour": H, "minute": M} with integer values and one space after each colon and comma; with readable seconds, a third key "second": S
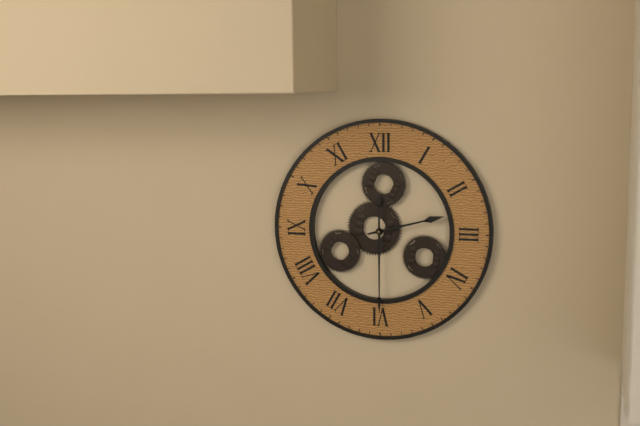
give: {"hour": 2, "minute": 30}
